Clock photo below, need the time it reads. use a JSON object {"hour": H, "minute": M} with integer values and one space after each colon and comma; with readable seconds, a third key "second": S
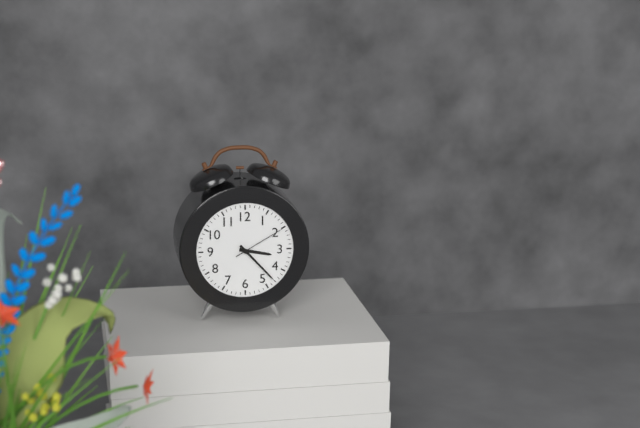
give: {"hour": 3, "minute": 23, "second": 10}
